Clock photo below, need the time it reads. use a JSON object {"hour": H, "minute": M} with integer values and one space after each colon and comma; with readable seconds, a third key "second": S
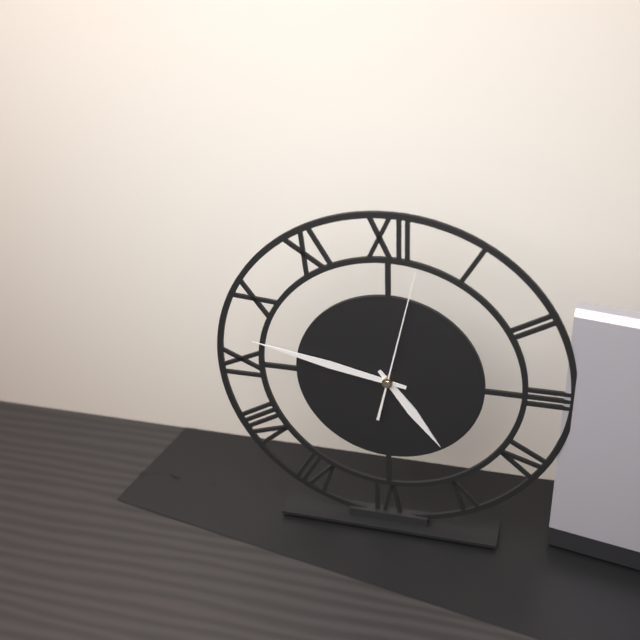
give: {"hour": 4, "minute": 47, "second": 2}
